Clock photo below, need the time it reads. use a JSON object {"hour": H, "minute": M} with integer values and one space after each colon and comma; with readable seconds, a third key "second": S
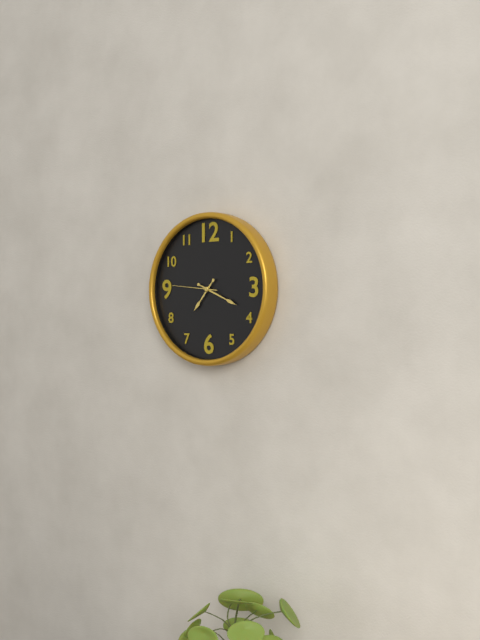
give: {"hour": 7, "minute": 19}
